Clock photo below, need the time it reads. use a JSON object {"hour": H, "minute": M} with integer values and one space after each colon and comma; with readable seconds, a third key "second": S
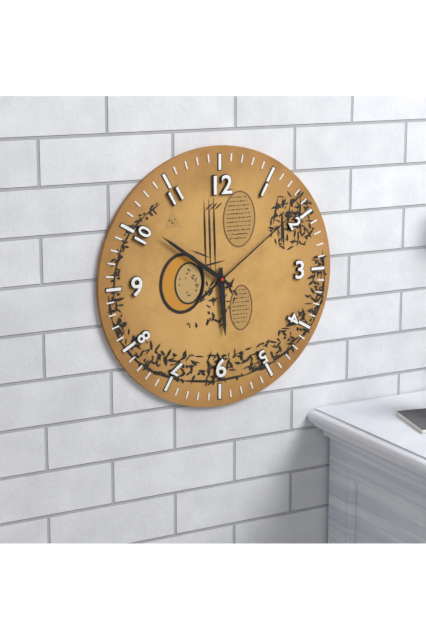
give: {"hour": 5, "minute": 51, "second": 9}
